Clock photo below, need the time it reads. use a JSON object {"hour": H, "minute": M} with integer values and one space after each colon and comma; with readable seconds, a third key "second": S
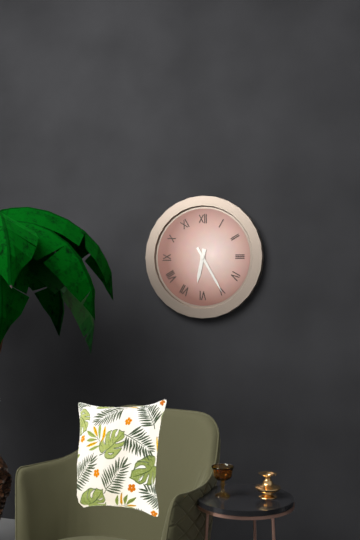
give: {"hour": 6, "minute": 25}
